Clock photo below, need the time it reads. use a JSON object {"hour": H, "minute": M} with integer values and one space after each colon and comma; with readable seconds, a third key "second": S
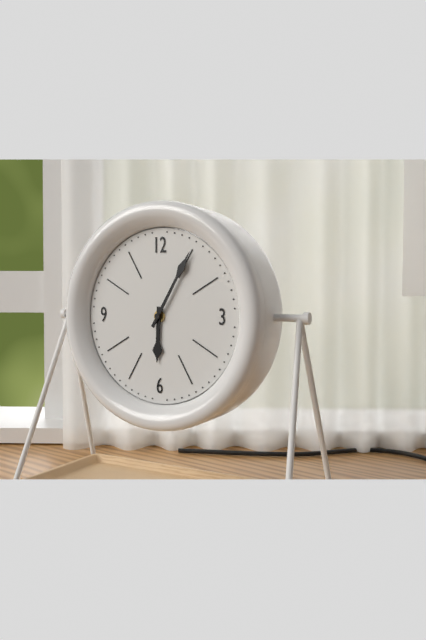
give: {"hour": 6, "minute": 5}
